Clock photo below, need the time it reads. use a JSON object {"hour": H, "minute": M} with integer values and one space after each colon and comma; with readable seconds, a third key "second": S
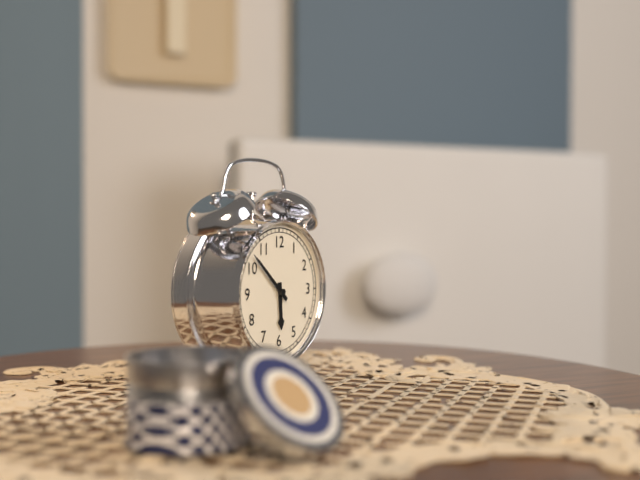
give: {"hour": 5, "minute": 52}
